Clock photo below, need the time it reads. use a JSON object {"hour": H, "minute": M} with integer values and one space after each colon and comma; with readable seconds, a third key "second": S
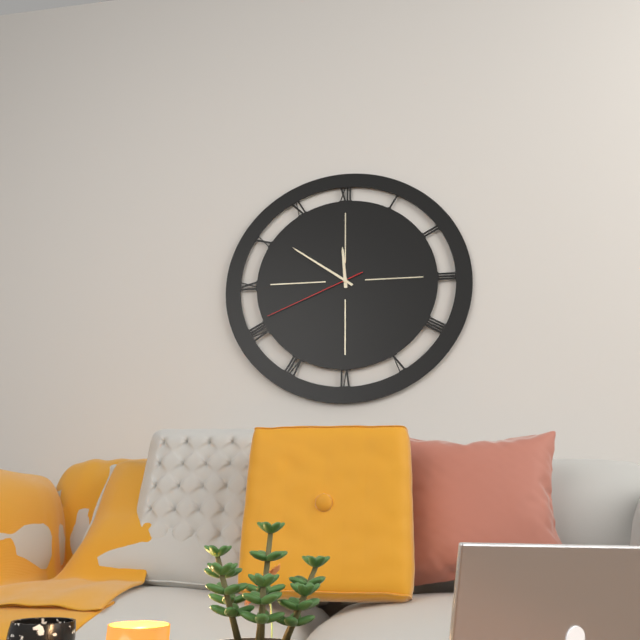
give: {"hour": 11, "minute": 51, "second": 41}
